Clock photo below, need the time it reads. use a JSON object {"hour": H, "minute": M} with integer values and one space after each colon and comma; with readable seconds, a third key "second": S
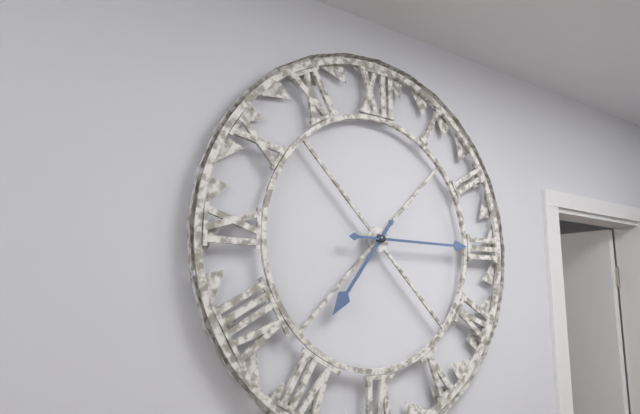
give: {"hour": 7, "minute": 15}
